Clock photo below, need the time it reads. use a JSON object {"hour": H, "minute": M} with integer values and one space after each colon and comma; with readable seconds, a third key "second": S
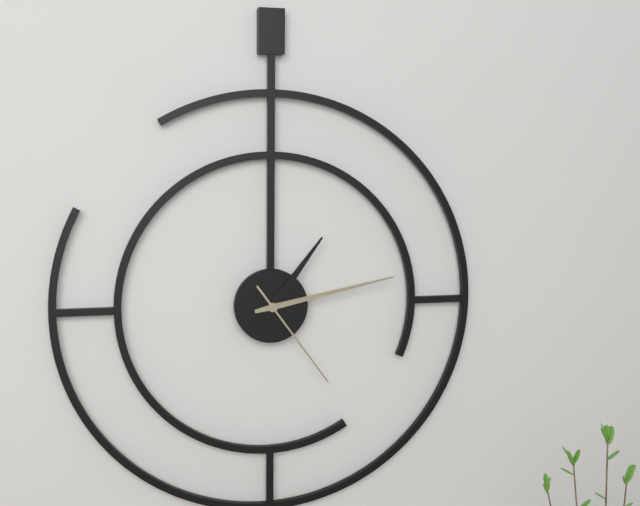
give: {"hour": 1, "minute": 13, "second": 24}
